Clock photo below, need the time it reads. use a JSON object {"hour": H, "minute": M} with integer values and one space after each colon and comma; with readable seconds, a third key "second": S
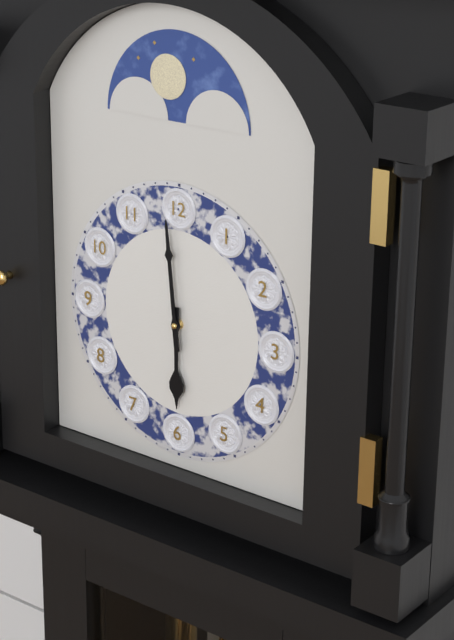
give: {"hour": 5, "minute": 59}
